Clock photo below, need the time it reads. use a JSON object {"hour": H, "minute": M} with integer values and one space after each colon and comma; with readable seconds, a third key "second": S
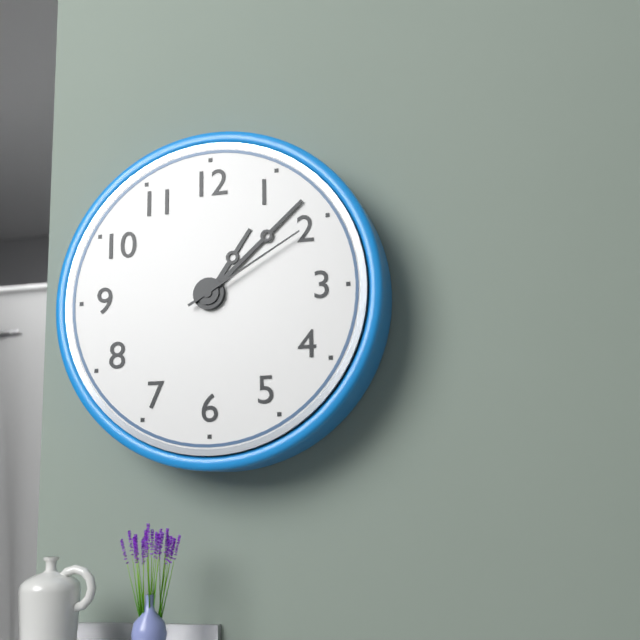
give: {"hour": 1, "minute": 8, "second": 10}
